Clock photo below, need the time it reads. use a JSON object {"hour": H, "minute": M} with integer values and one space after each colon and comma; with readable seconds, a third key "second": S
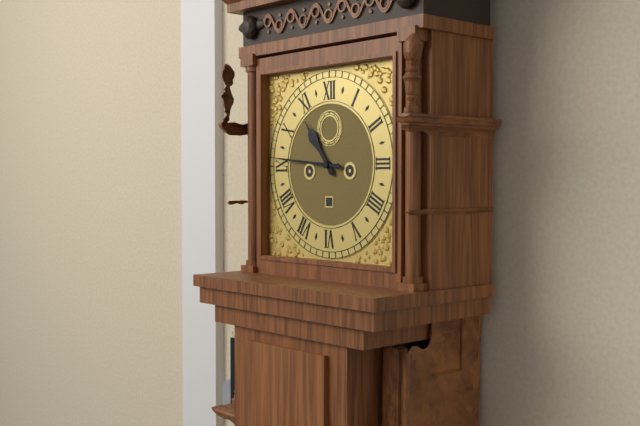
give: {"hour": 10, "minute": 46}
